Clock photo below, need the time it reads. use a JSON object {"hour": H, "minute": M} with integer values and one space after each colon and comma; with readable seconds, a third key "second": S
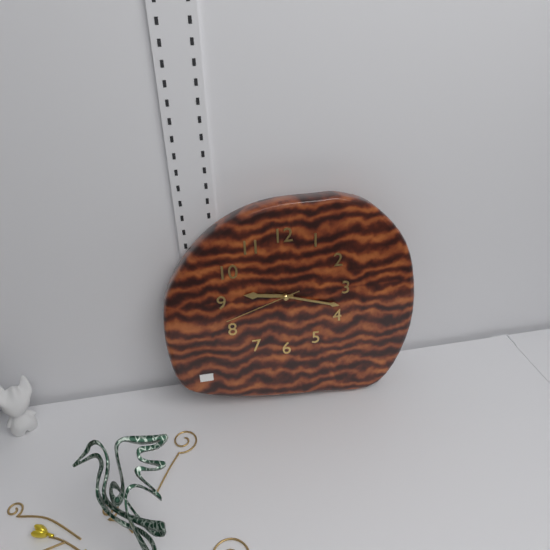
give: {"hour": 9, "minute": 18, "second": 42}
